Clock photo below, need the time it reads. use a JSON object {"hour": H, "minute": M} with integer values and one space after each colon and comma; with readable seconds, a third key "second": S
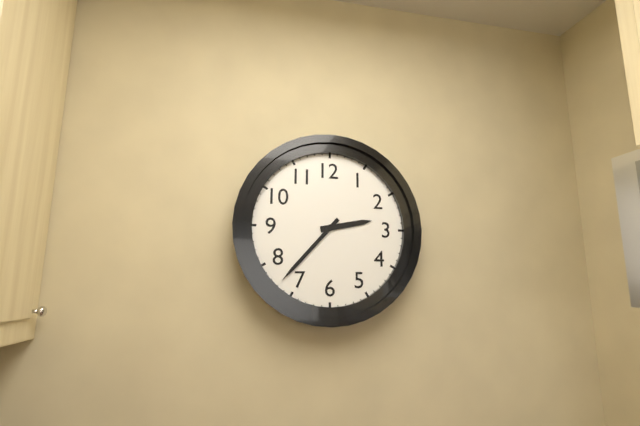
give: {"hour": 2, "minute": 37}
